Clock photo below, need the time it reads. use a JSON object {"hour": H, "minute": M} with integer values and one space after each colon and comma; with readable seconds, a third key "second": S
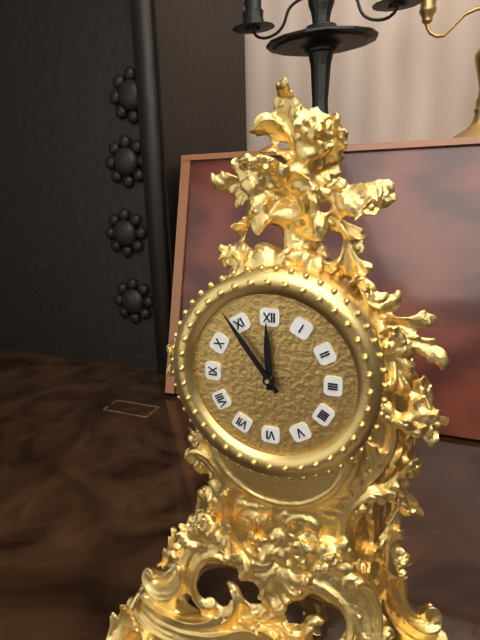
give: {"hour": 11, "minute": 54}
